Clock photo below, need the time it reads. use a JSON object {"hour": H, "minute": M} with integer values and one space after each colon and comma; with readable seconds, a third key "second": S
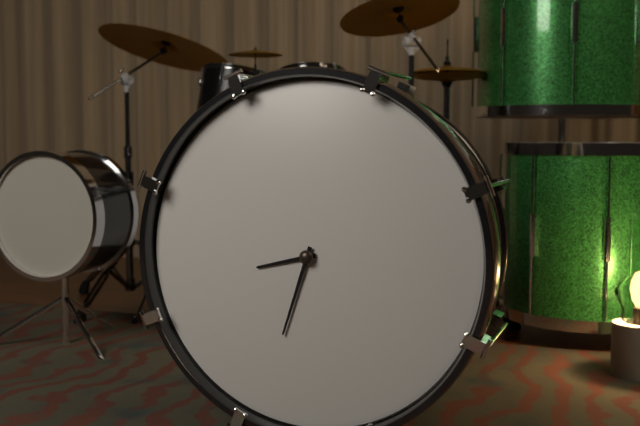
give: {"hour": 8, "minute": 33}
